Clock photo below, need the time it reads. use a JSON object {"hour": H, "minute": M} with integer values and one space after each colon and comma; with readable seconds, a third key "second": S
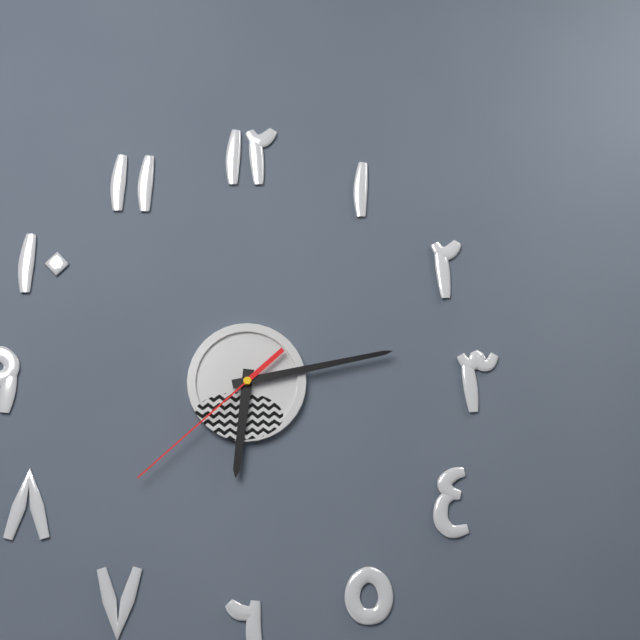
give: {"hour": 6, "minute": 13, "second": 38}
